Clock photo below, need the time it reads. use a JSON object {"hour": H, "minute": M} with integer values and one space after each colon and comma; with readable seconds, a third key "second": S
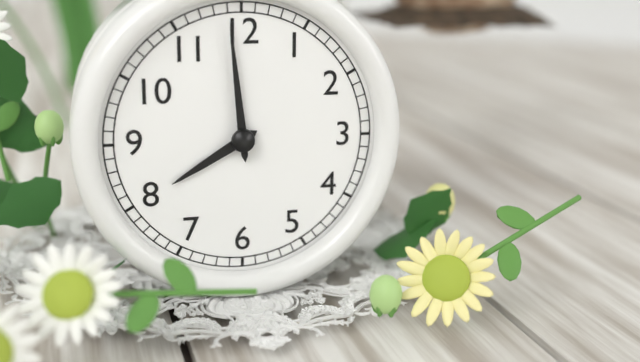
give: {"hour": 7, "minute": 59}
